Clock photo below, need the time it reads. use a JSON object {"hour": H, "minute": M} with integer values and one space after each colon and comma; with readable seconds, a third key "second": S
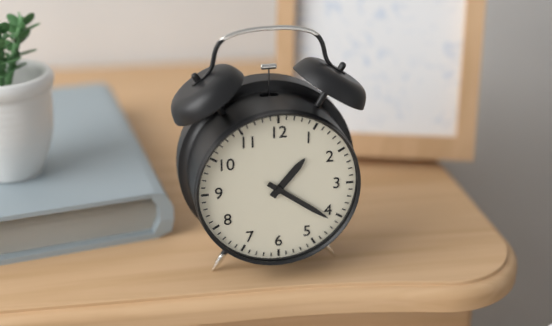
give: {"hour": 1, "minute": 21}
